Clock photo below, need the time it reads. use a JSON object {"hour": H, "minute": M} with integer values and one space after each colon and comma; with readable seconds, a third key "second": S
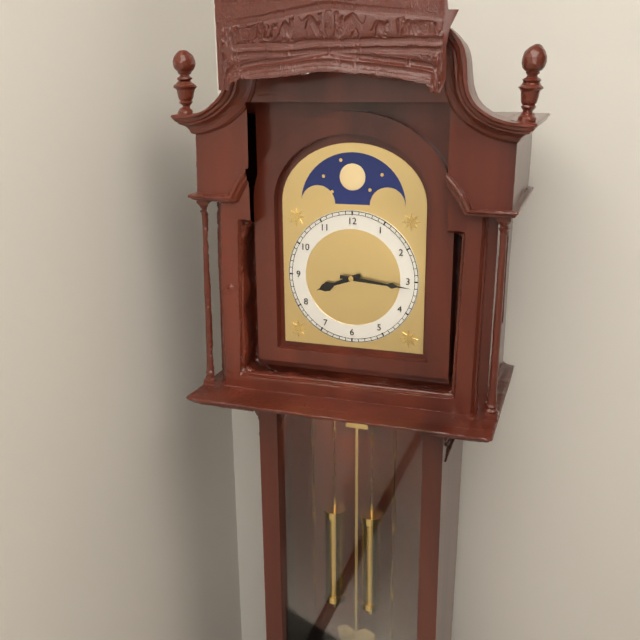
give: {"hour": 8, "minute": 16}
